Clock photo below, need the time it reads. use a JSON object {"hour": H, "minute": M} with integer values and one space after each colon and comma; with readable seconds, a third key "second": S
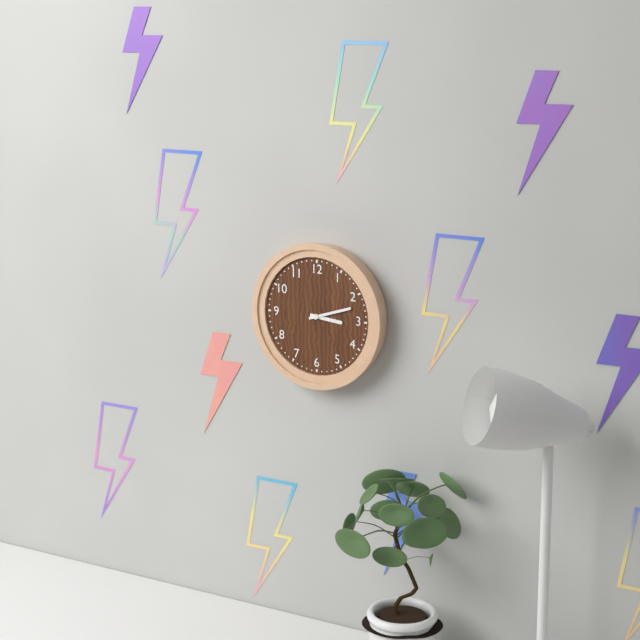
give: {"hour": 3, "minute": 12}
